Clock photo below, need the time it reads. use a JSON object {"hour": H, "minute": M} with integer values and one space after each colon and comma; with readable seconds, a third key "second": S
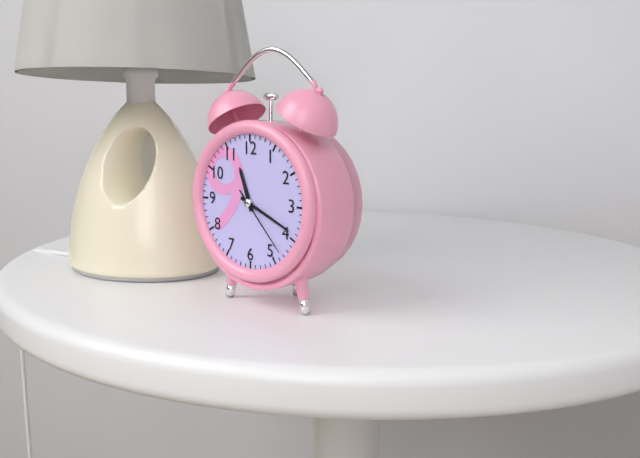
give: {"hour": 11, "minute": 19, "second": 23}
